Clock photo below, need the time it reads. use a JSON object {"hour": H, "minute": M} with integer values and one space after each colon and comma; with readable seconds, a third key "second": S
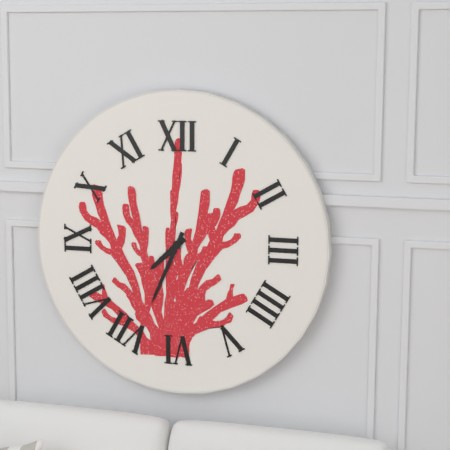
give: {"hour": 7, "minute": 34}
